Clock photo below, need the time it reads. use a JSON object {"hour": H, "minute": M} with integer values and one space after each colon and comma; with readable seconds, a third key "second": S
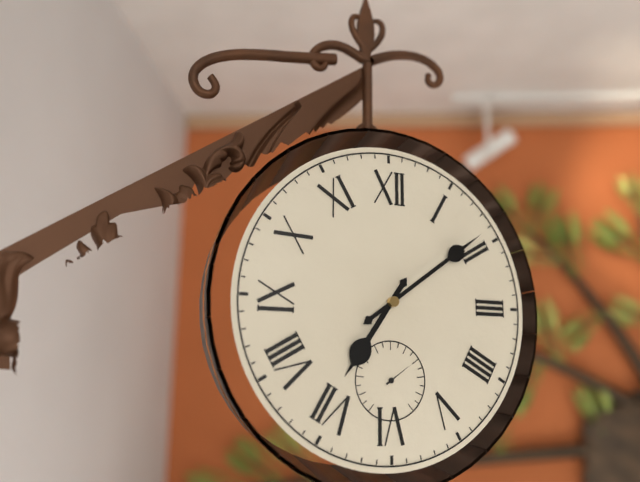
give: {"hour": 7, "minute": 9}
